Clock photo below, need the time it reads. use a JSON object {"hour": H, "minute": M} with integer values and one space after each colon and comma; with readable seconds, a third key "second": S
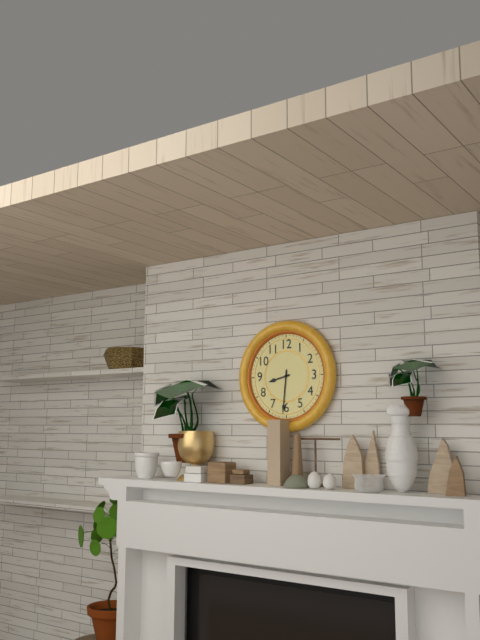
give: {"hour": 8, "minute": 31}
